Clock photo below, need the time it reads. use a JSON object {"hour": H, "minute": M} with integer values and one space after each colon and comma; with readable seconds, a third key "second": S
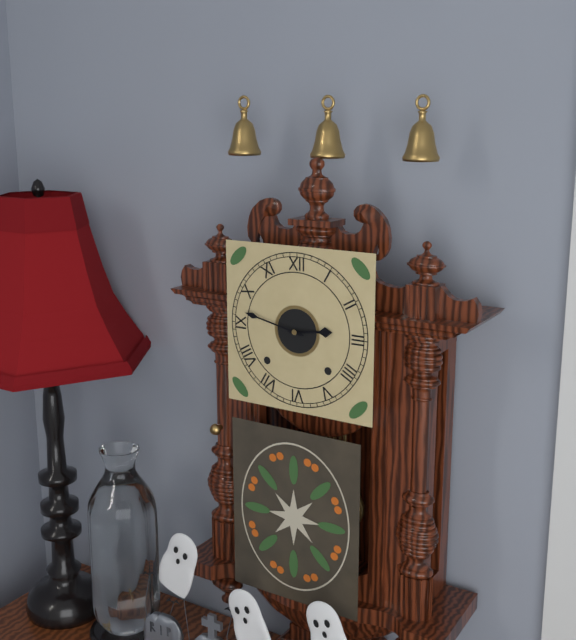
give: {"hour": 2, "minute": 47}
